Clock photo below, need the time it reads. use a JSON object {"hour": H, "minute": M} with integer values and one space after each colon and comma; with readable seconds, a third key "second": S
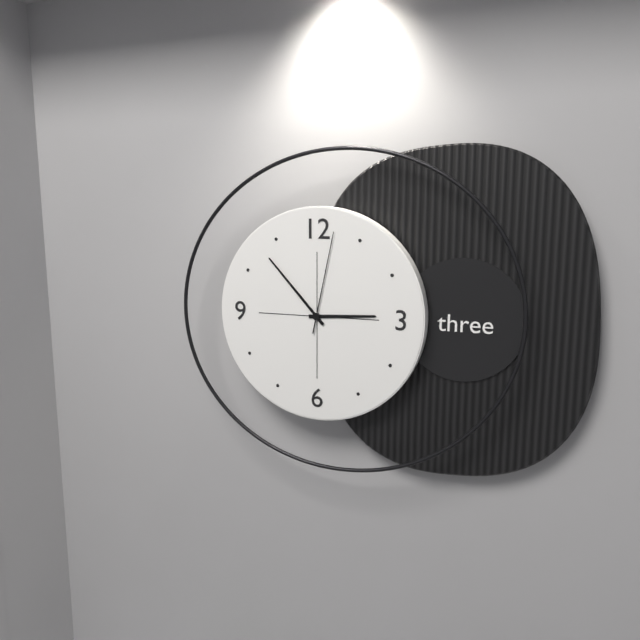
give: {"hour": 2, "minute": 53, "second": 2}
